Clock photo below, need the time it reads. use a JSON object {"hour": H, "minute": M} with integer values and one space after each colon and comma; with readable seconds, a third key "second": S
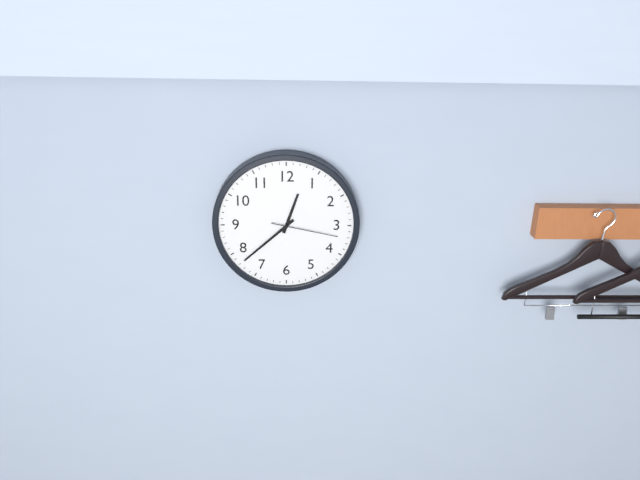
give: {"hour": 12, "minute": 38, "second": 17}
